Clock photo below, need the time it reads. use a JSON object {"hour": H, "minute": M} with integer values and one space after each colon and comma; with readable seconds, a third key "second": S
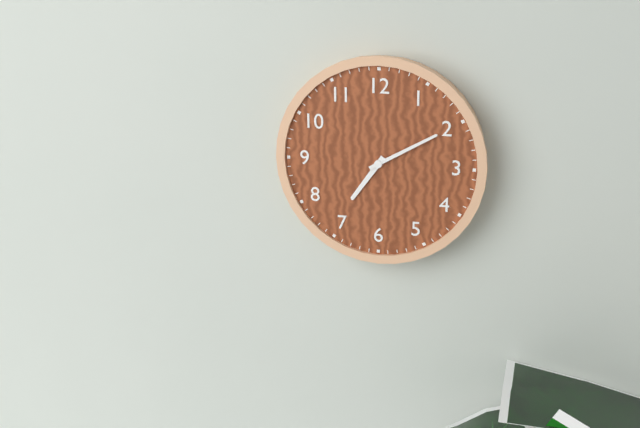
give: {"hour": 7, "minute": 10}
